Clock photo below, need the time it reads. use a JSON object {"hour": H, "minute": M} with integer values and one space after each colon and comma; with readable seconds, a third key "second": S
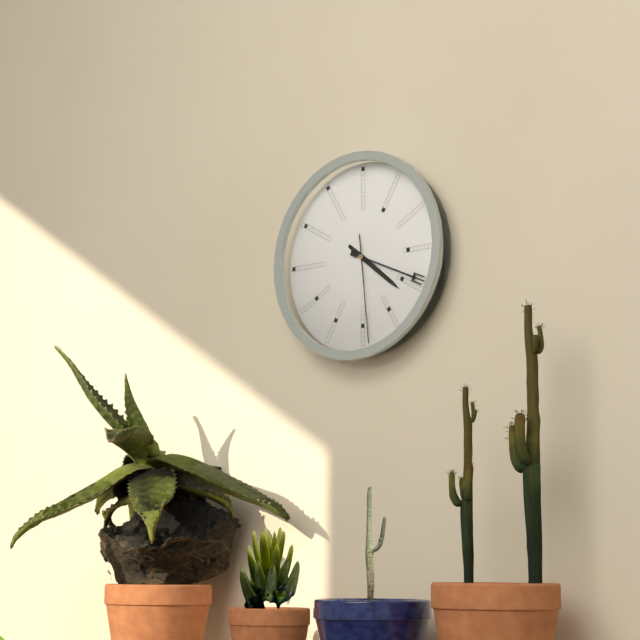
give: {"hour": 4, "minute": 19, "second": 29}
